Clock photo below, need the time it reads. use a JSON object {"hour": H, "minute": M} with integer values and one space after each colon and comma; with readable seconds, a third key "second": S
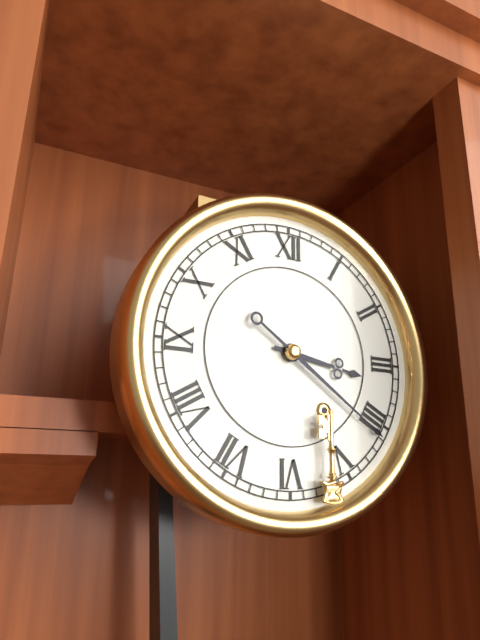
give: {"hour": 3, "minute": 21}
